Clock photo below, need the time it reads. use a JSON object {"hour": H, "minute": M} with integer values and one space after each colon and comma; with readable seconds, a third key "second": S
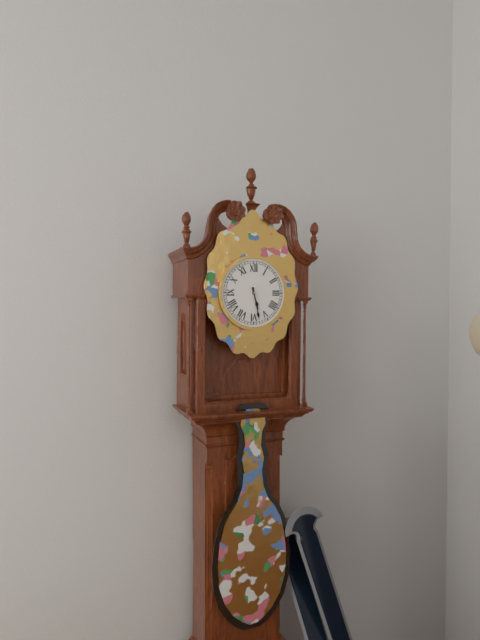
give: {"hour": 5, "minute": 28}
